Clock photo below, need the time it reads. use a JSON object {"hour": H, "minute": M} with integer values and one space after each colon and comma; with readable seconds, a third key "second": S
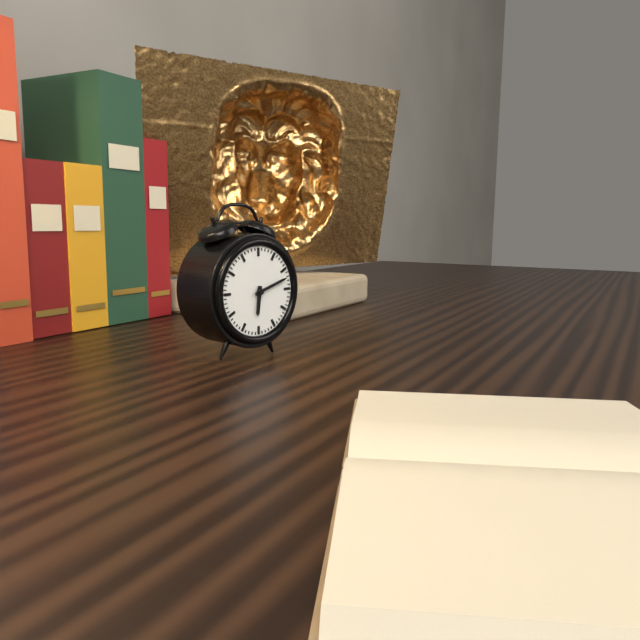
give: {"hour": 6, "minute": 12}
